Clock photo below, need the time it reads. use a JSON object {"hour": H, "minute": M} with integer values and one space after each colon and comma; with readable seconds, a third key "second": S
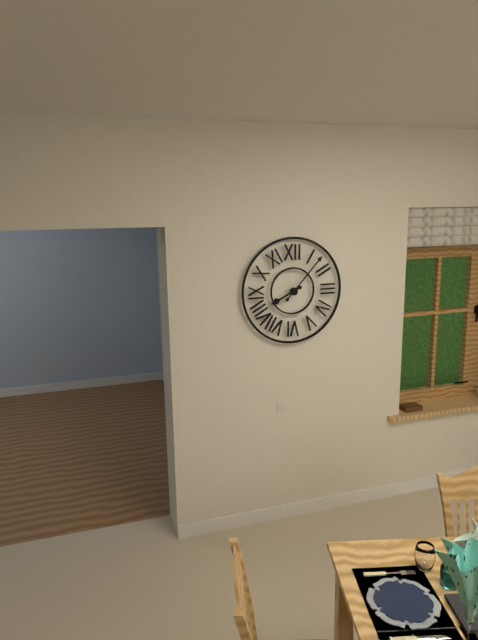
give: {"hour": 8, "minute": 7}
